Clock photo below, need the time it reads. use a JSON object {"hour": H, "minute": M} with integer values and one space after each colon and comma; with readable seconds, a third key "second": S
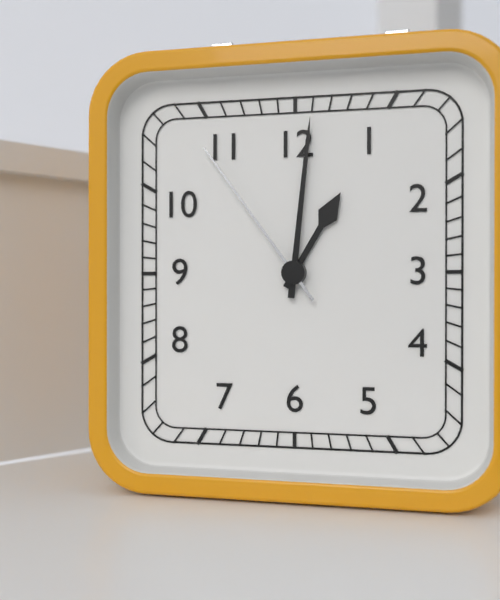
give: {"hour": 1, "minute": 1, "second": 54}
